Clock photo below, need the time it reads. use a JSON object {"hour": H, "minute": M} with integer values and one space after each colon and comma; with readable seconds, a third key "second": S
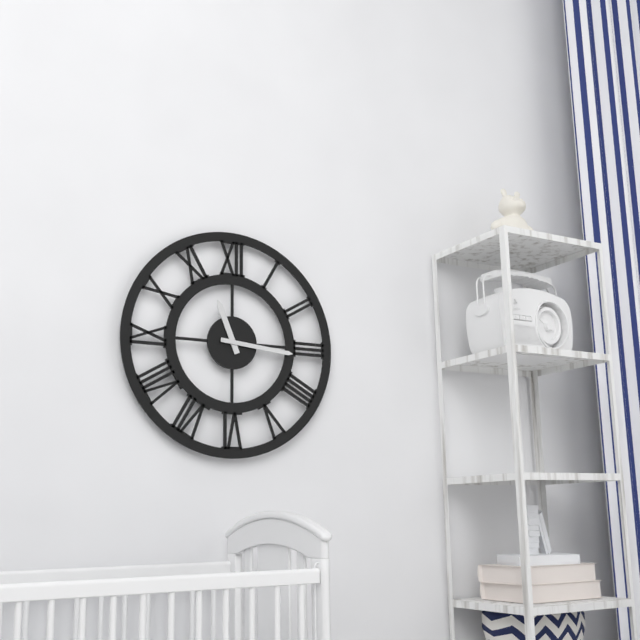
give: {"hour": 11, "minute": 16}
